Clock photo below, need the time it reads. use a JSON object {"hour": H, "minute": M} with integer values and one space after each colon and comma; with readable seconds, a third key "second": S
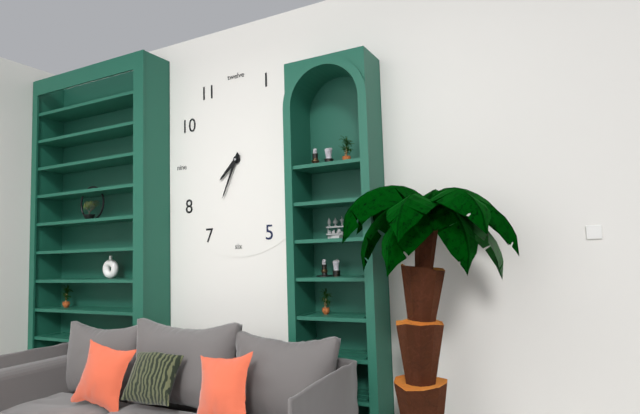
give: {"hour": 7, "minute": 34}
